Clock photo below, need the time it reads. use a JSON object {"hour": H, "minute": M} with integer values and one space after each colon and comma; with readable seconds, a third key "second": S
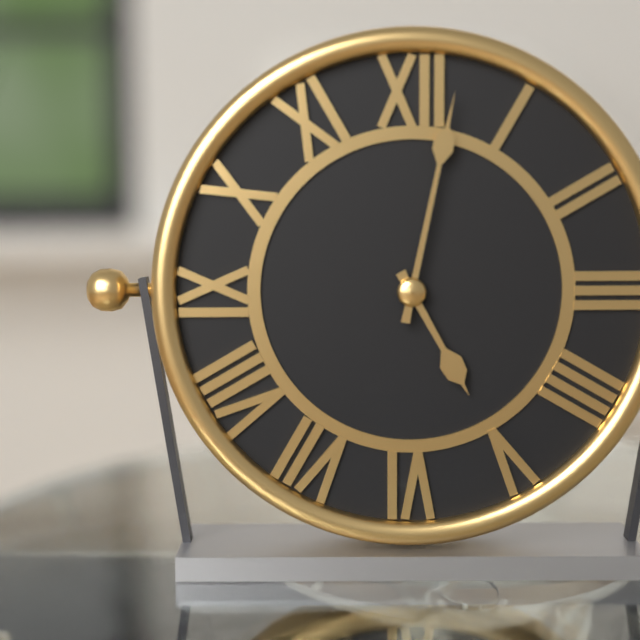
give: {"hour": 5, "minute": 2}
